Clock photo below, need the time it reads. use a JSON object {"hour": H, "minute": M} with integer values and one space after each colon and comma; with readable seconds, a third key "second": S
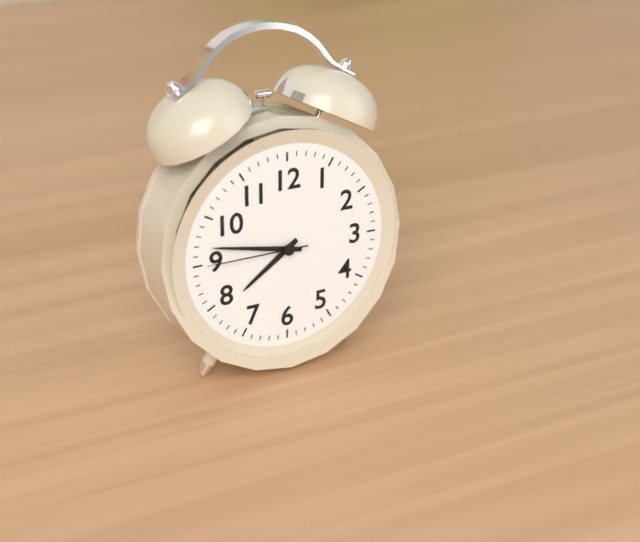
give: {"hour": 7, "minute": 47, "second": 45}
